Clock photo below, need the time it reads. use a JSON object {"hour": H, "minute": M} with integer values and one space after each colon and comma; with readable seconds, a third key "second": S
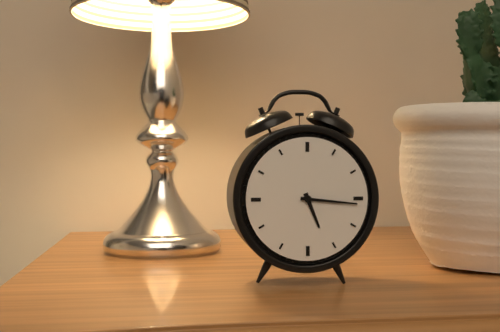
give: {"hour": 5, "minute": 16}
